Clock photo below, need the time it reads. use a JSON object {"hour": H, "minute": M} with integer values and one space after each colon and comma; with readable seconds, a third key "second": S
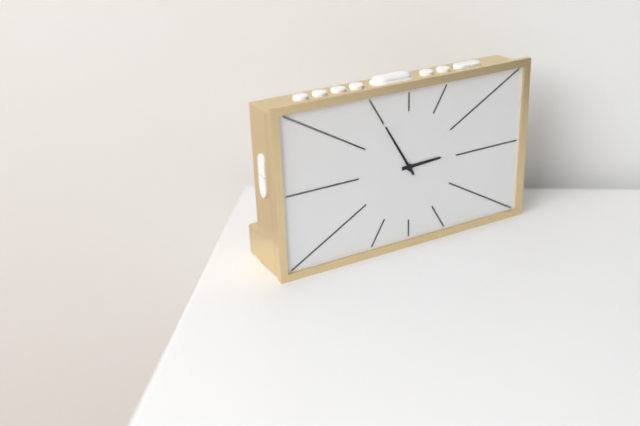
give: {"hour": 2, "minute": 55}
